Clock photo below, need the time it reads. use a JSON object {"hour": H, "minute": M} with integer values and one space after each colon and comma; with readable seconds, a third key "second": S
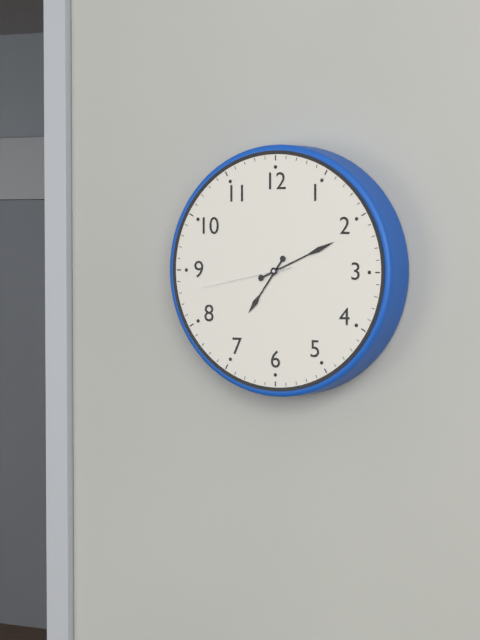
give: {"hour": 7, "minute": 11, "second": 43}
